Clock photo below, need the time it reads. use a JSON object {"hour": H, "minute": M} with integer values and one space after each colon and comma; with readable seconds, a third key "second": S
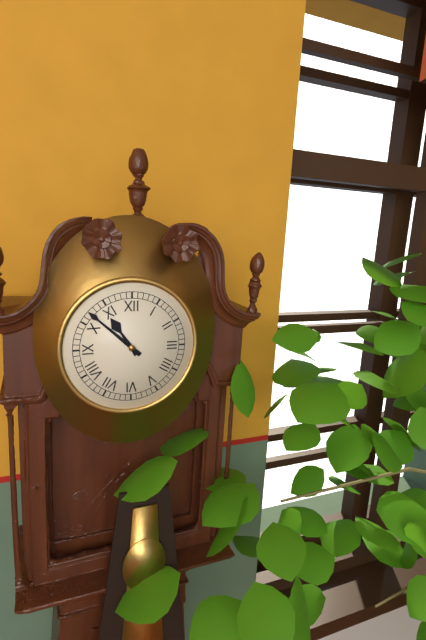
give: {"hour": 10, "minute": 52}
